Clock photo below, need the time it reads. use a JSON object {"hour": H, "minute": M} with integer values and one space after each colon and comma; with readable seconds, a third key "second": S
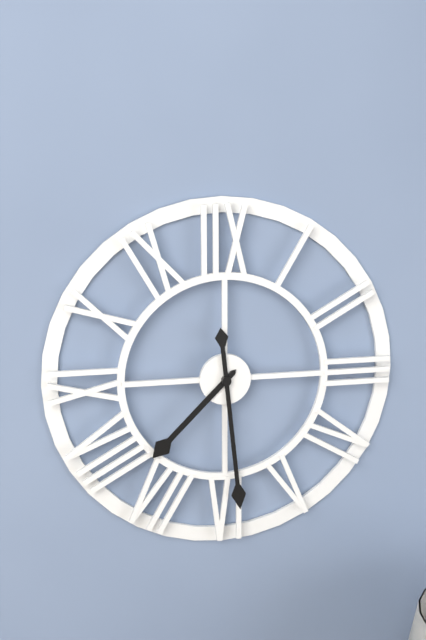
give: {"hour": 7, "minute": 29}
